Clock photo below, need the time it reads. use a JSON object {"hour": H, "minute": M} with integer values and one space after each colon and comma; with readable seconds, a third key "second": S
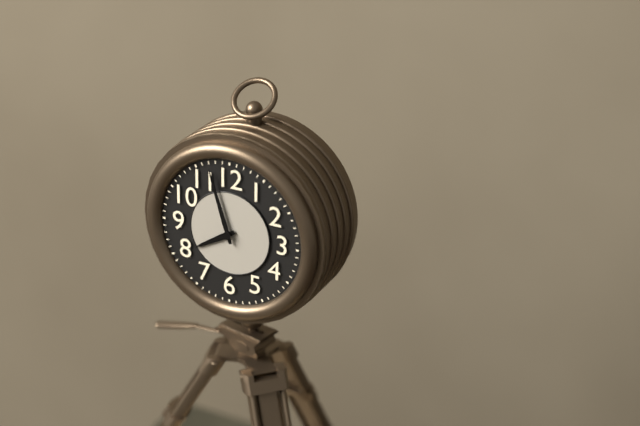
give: {"hour": 7, "minute": 57}
